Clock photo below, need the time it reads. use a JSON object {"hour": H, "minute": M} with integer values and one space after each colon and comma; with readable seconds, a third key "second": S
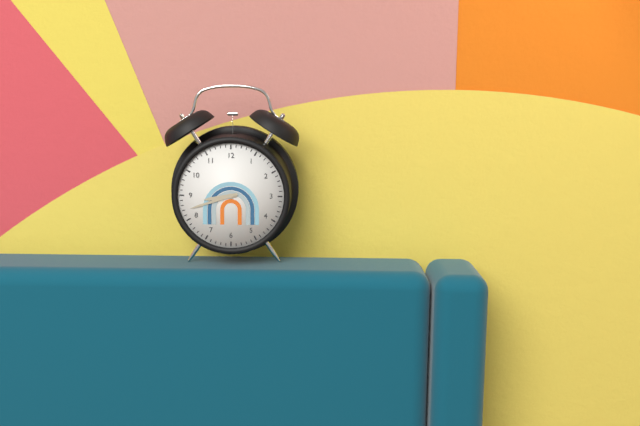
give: {"hour": 8, "minute": 42}
